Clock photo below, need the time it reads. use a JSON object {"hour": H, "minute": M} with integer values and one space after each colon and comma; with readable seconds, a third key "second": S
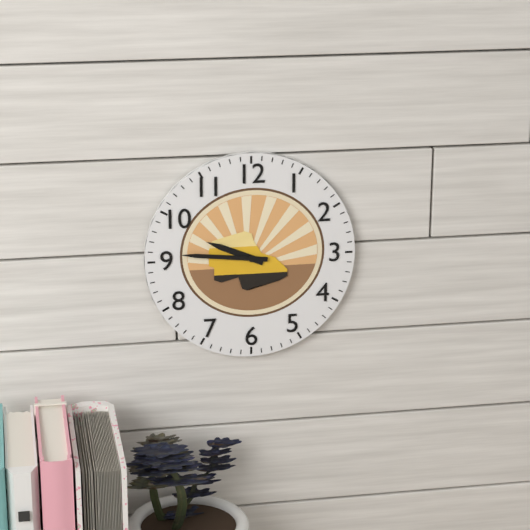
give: {"hour": 9, "minute": 46}
